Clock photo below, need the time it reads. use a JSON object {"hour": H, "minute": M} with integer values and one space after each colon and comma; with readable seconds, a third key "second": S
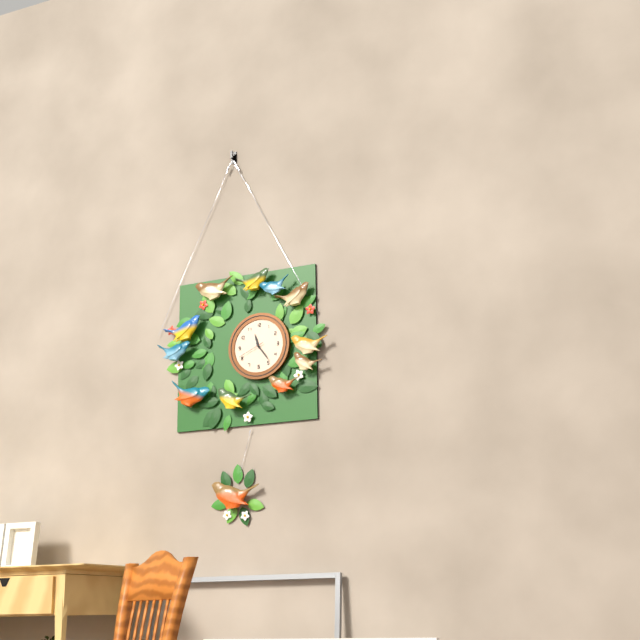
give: {"hour": 11, "minute": 24}
